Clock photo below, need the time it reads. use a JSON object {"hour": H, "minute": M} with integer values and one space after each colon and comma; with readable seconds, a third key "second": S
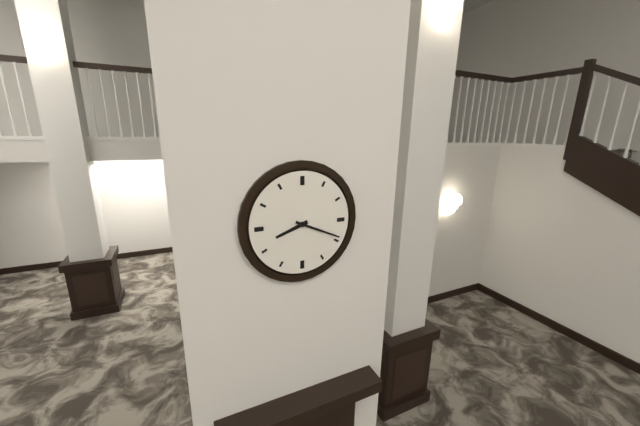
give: {"hour": 8, "minute": 19}
